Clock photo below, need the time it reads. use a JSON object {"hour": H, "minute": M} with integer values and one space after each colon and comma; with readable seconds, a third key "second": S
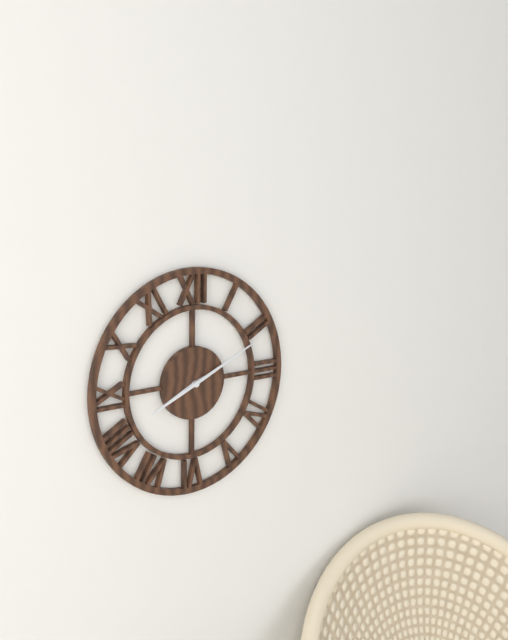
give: {"hour": 8, "minute": 11}
